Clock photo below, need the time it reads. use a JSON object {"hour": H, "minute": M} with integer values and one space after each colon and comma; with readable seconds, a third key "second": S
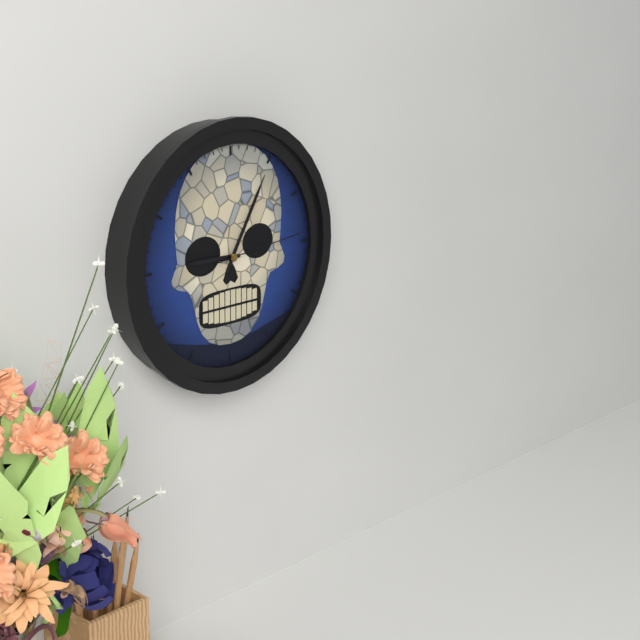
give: {"hour": 9, "minute": 5, "second": 14}
